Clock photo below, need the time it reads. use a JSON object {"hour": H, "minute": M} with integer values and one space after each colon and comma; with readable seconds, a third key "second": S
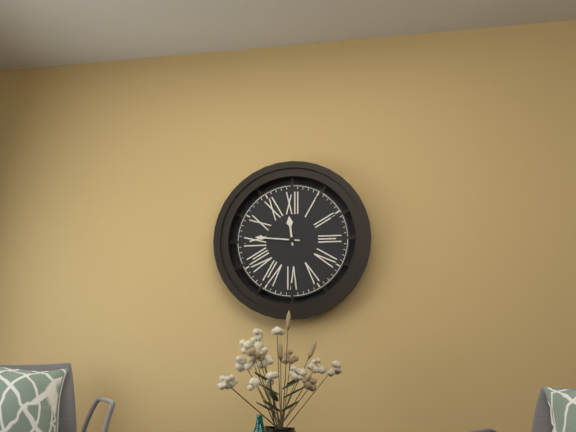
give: {"hour": 11, "minute": 46}
